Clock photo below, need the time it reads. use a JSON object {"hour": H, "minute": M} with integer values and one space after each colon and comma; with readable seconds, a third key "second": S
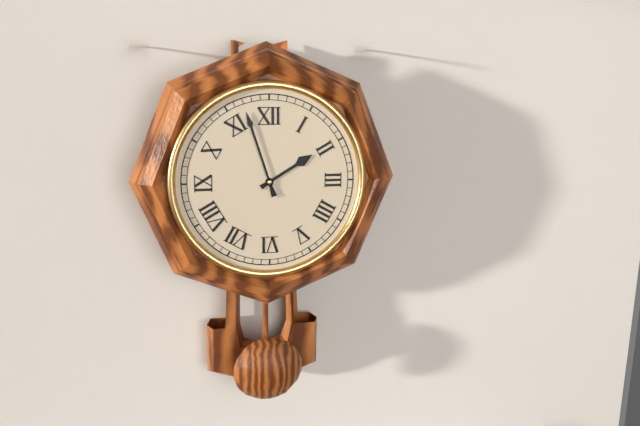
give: {"hour": 1, "minute": 57}
